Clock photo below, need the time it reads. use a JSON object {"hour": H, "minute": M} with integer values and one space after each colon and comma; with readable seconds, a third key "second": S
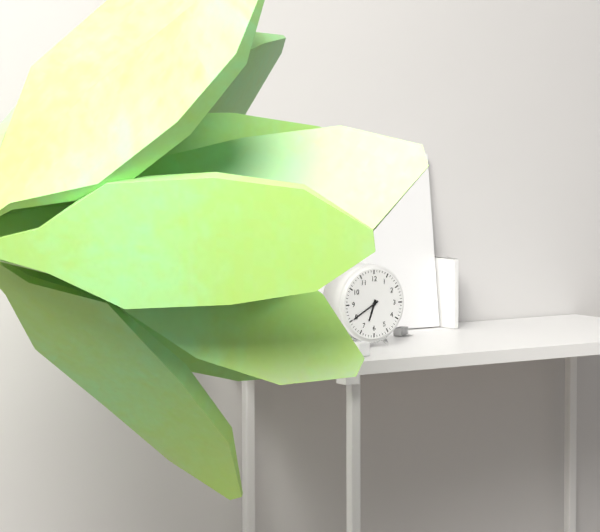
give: {"hour": 6, "minute": 40}
